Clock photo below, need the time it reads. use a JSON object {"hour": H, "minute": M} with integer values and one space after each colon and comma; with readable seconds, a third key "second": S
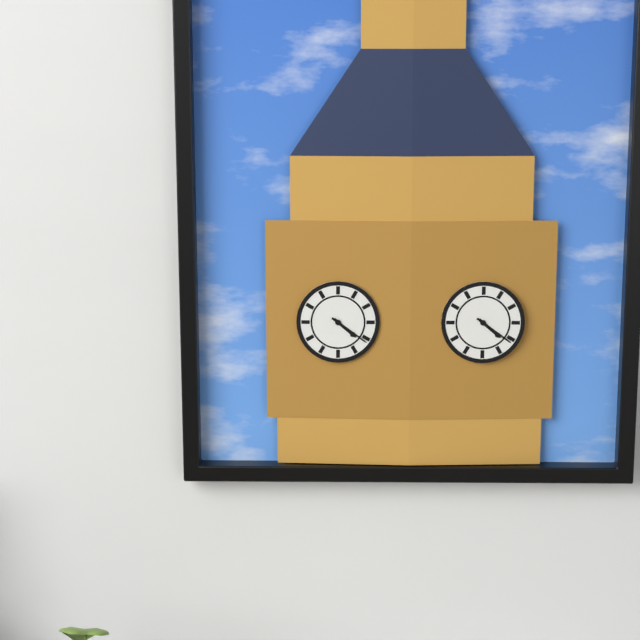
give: {"hour": 4, "minute": 21}
